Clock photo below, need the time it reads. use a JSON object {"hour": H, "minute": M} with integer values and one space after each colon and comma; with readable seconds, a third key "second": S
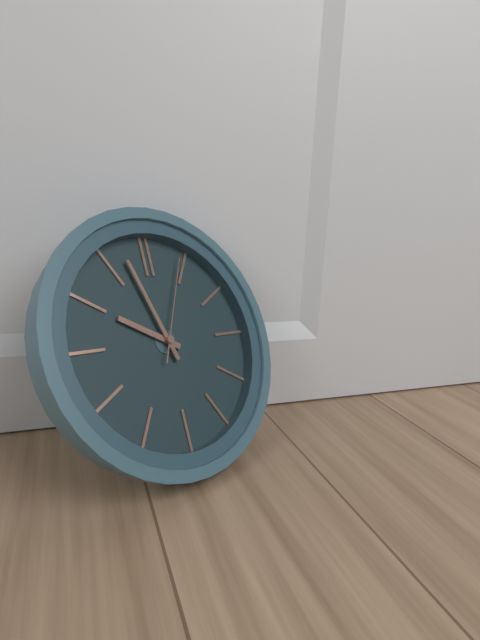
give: {"hour": 9, "minute": 57, "second": 4}
